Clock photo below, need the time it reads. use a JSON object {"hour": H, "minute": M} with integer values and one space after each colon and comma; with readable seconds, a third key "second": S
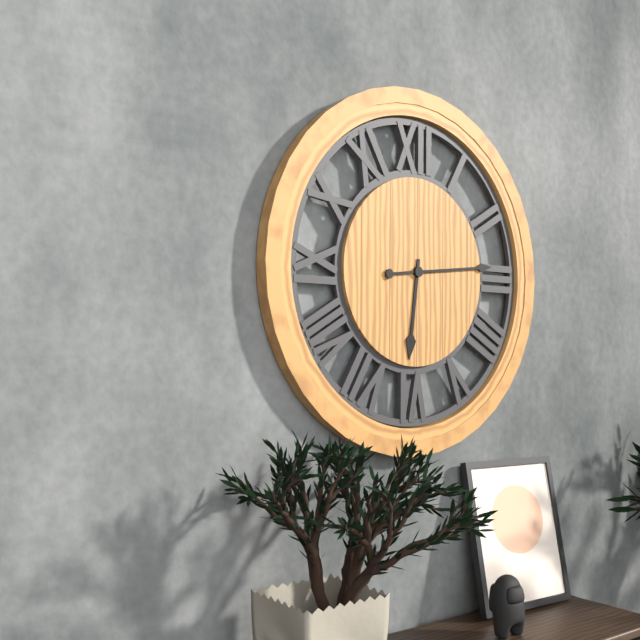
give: {"hour": 6, "minute": 14}
